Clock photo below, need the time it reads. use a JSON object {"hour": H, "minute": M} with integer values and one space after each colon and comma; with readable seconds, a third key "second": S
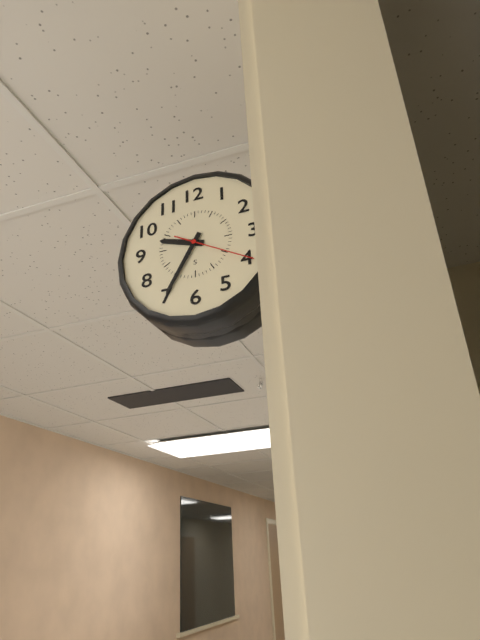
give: {"hour": 9, "minute": 35, "second": 20}
